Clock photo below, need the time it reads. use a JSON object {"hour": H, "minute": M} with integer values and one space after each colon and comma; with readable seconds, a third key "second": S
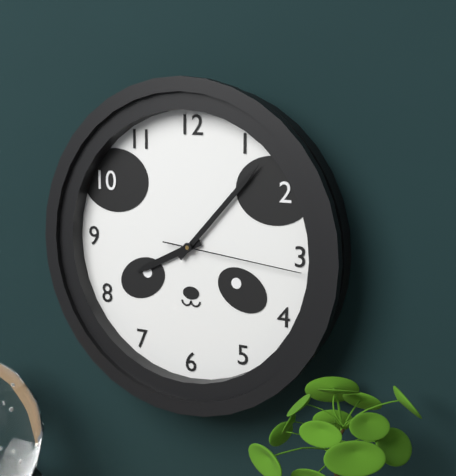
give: {"hour": 8, "minute": 7, "second": 16}
